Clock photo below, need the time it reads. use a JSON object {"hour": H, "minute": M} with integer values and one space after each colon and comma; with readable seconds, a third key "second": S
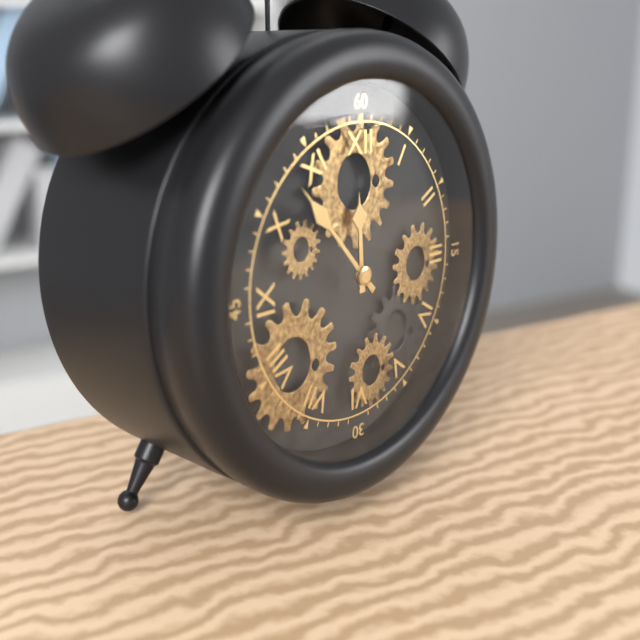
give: {"hour": 11, "minute": 53}
